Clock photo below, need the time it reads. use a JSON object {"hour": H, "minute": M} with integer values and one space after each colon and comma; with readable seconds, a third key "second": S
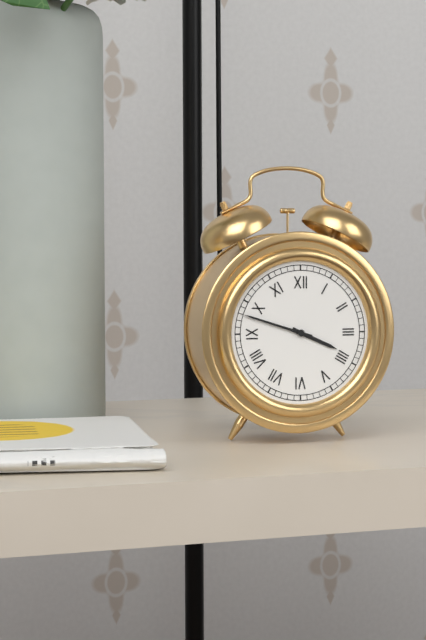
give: {"hour": 3, "minute": 48}
